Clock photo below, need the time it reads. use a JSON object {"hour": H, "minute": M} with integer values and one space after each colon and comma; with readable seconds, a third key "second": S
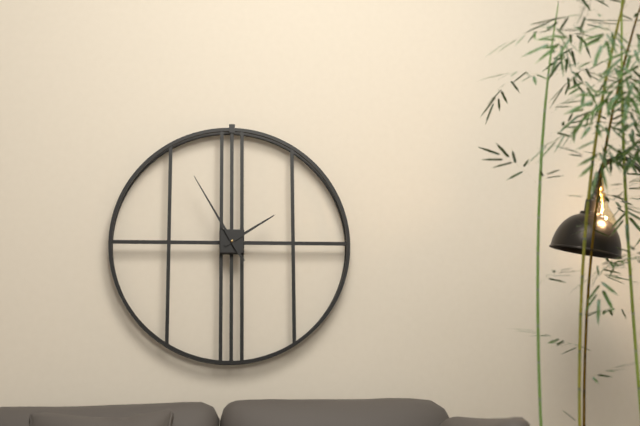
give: {"hour": 1, "minute": 55}
